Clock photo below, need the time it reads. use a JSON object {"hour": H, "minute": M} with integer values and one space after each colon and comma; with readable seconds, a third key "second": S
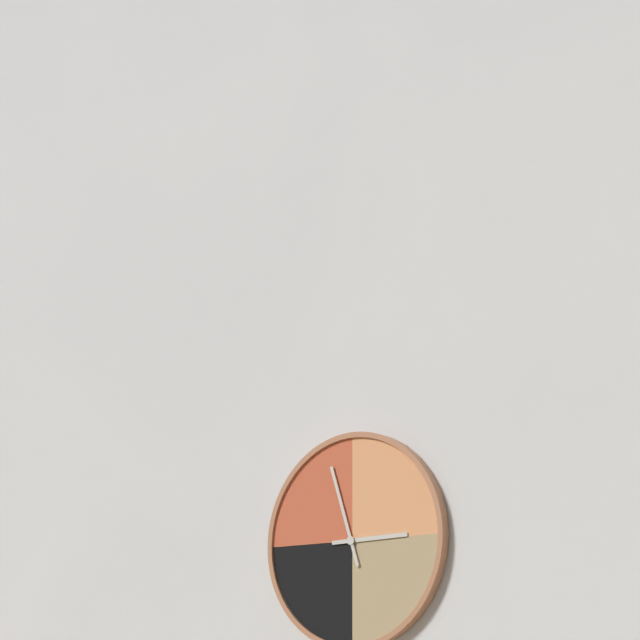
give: {"hour": 2, "minute": 57}
